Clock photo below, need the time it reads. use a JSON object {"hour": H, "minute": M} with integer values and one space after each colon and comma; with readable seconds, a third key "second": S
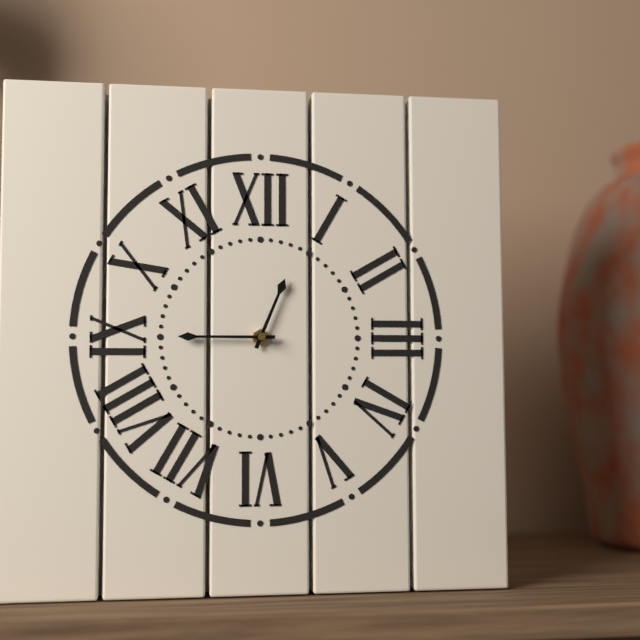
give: {"hour": 12, "minute": 45}
